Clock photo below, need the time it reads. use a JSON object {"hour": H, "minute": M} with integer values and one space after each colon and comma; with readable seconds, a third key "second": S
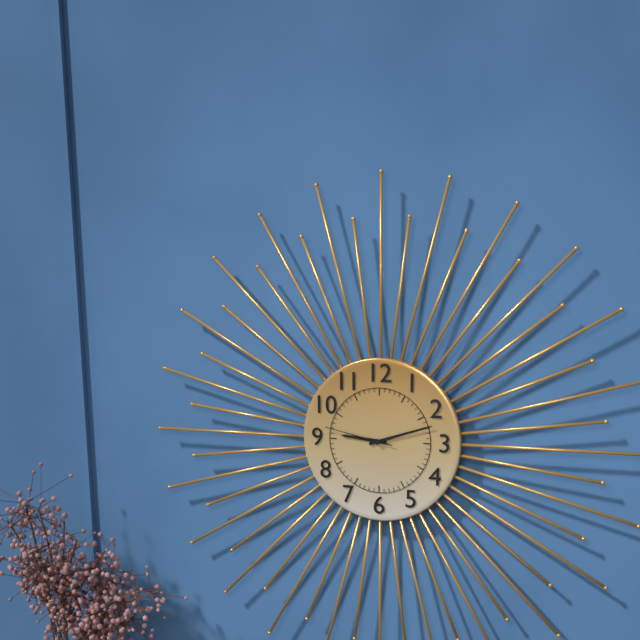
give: {"hour": 9, "minute": 12, "second": 47}
